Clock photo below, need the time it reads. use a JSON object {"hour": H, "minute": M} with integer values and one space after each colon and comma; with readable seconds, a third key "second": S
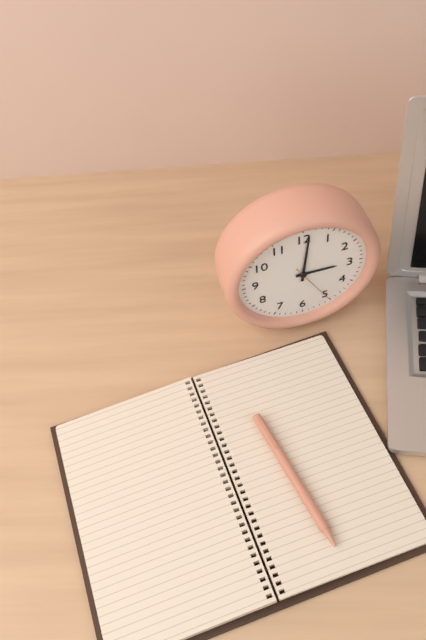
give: {"hour": 3, "minute": 1}
